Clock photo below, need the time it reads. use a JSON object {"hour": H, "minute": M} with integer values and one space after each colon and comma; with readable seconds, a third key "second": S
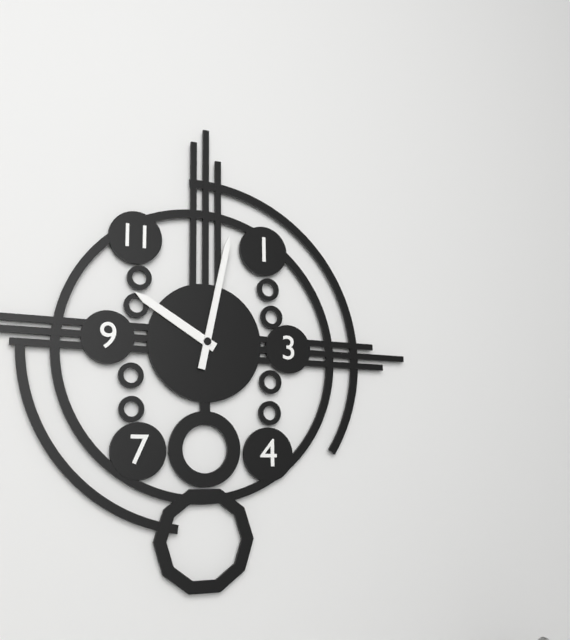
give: {"hour": 10, "minute": 2}
